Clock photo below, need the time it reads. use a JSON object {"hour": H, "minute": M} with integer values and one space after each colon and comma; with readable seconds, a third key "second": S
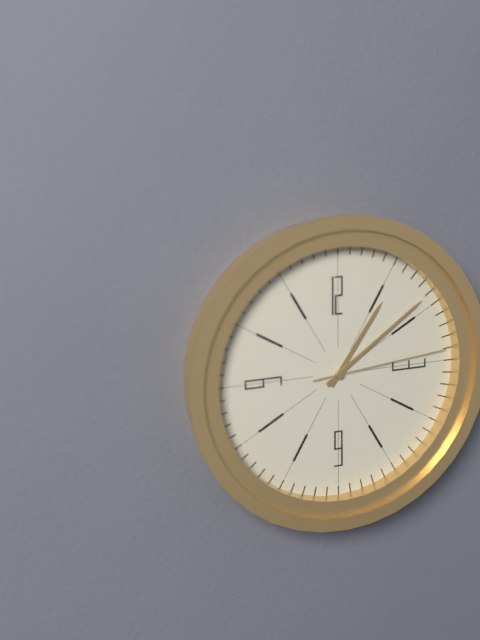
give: {"hour": 1, "minute": 9, "second": 14}
